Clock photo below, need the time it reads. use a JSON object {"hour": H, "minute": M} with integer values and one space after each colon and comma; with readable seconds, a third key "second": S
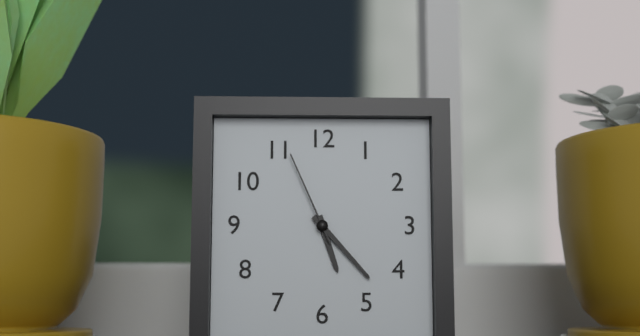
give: {"hour": 5, "minute": 23, "second": 56}
